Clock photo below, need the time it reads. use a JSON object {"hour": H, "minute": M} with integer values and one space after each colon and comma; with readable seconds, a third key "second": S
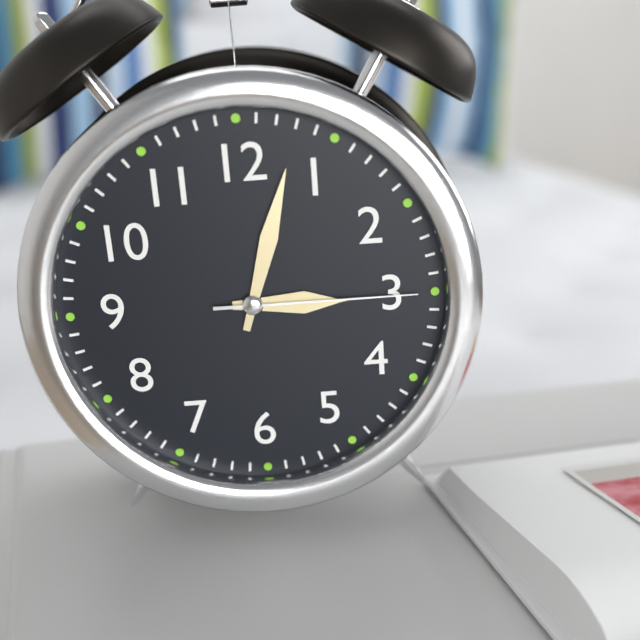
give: {"hour": 3, "minute": 3, "second": 15}
